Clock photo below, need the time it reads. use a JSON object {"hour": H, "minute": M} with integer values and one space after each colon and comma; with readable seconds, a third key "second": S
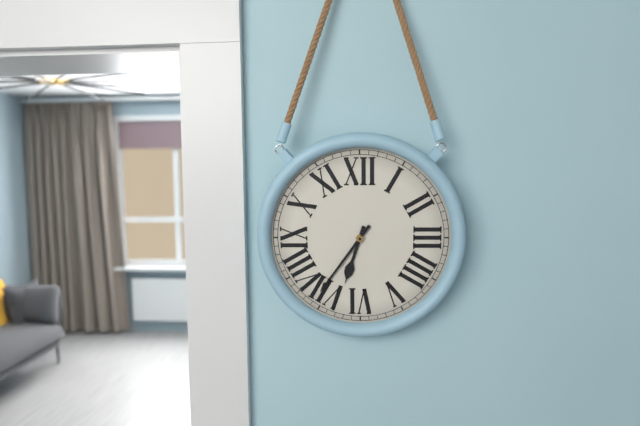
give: {"hour": 6, "minute": 36}
